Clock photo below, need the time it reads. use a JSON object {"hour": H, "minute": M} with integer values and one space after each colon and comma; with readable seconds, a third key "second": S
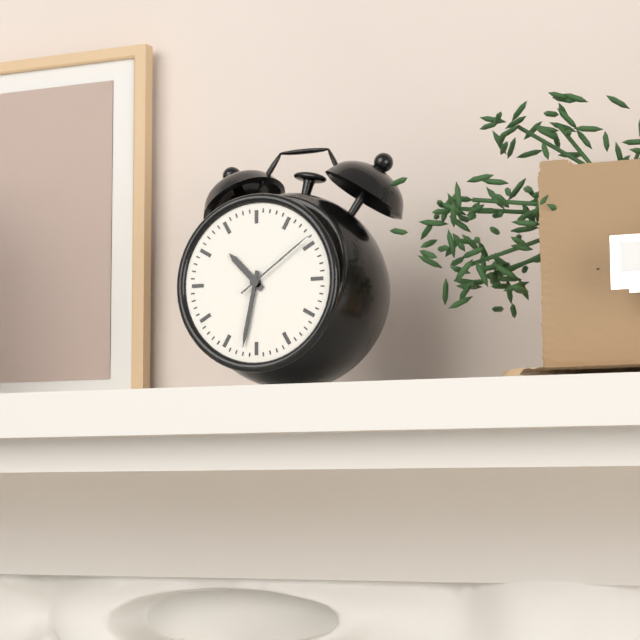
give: {"hour": 10, "minute": 32, "second": 9}
